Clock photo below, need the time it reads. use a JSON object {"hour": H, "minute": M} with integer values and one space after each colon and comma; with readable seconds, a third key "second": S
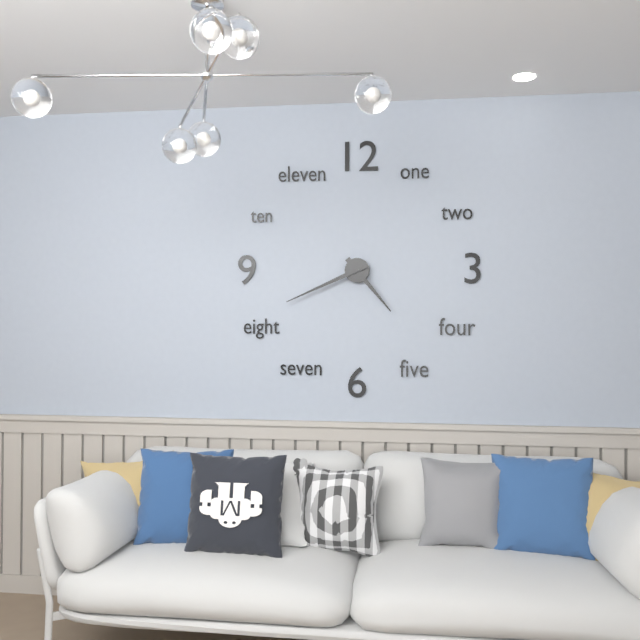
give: {"hour": 4, "minute": 41}
